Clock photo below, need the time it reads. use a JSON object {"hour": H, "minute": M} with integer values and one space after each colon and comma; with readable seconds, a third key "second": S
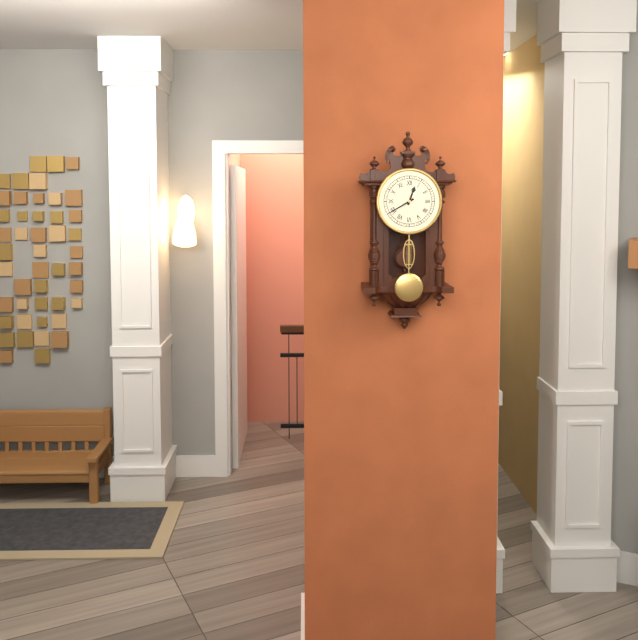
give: {"hour": 12, "minute": 40}
